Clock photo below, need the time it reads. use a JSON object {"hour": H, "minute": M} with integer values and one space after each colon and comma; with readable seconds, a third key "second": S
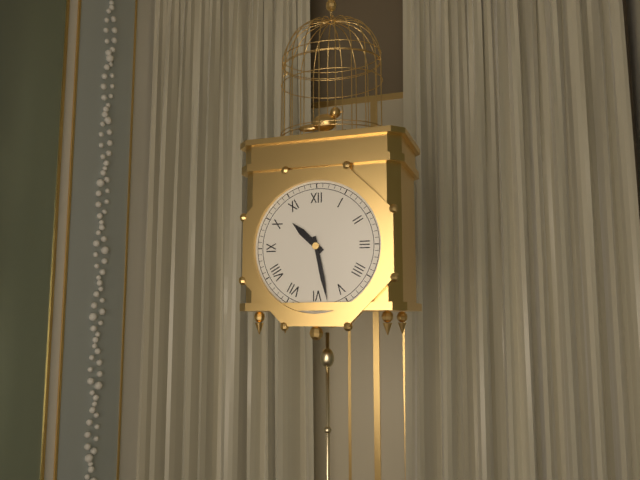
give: {"hour": 10, "minute": 28}
